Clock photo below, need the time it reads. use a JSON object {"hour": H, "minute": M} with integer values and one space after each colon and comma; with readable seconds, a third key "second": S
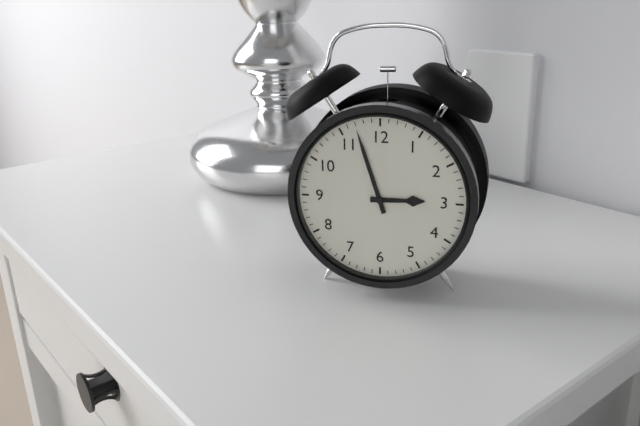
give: {"hour": 2, "minute": 57}
